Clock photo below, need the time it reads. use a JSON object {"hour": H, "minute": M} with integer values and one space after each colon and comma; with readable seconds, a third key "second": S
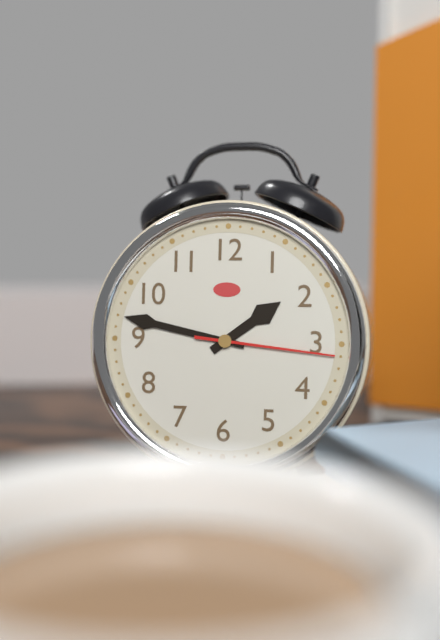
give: {"hour": 1, "minute": 47, "second": 16}
